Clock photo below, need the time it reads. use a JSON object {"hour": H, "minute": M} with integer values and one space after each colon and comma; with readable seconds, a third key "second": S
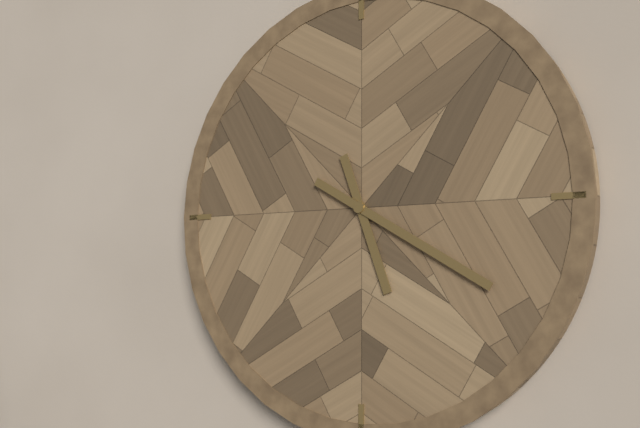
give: {"hour": 5, "minute": 20}
